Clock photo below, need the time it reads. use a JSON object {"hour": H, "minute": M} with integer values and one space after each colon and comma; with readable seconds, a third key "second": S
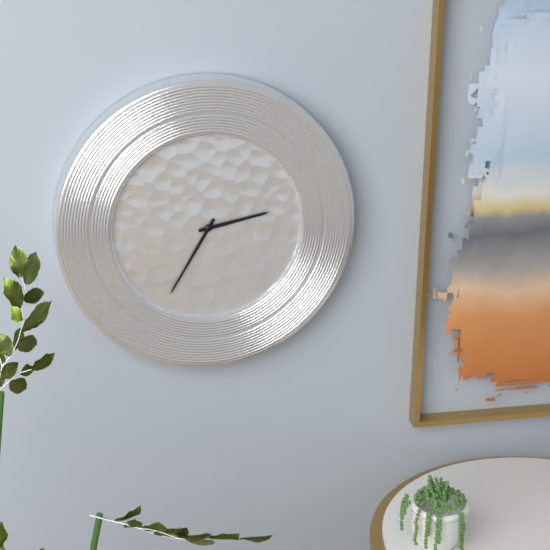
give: {"hour": 2, "minute": 35}
